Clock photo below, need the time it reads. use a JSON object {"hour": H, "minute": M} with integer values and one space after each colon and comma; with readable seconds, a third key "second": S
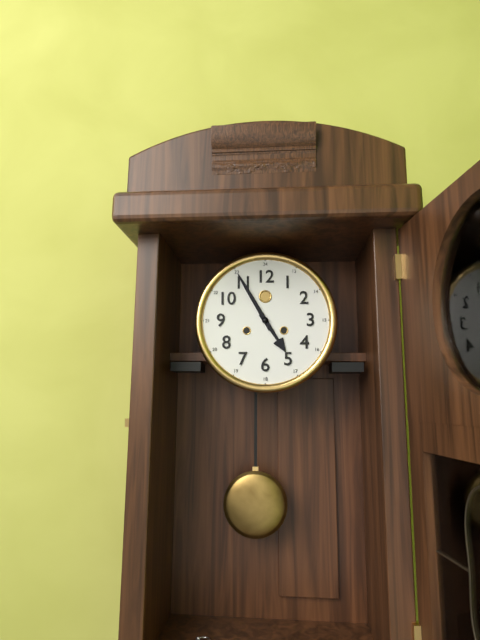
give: {"hour": 4, "minute": 55}
